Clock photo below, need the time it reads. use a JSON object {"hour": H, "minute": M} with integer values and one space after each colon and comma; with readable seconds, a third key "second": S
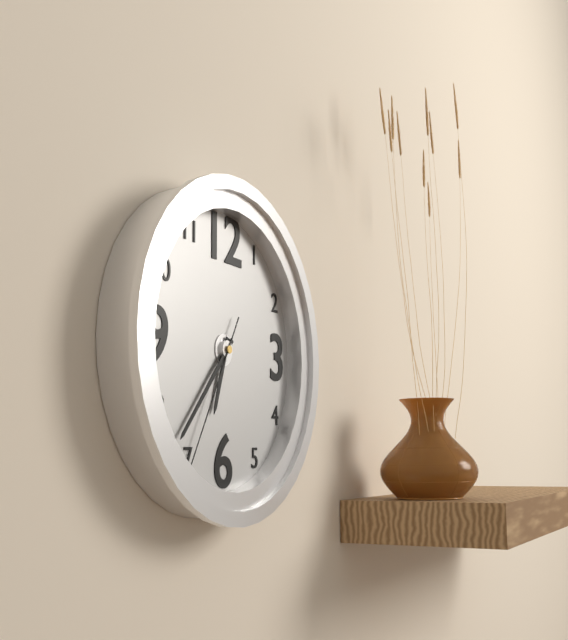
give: {"hour": 6, "minute": 37, "second": 35}
